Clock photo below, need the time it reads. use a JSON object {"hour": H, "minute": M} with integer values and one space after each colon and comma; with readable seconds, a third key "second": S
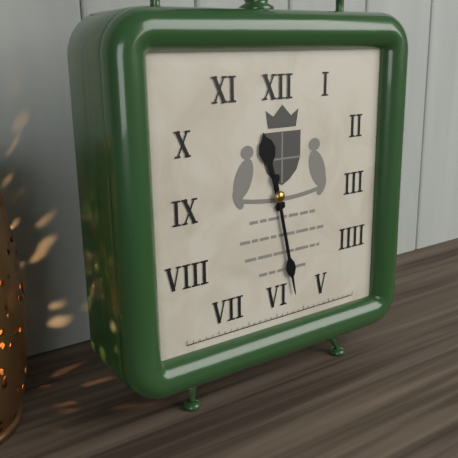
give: {"hour": 11, "minute": 28}
